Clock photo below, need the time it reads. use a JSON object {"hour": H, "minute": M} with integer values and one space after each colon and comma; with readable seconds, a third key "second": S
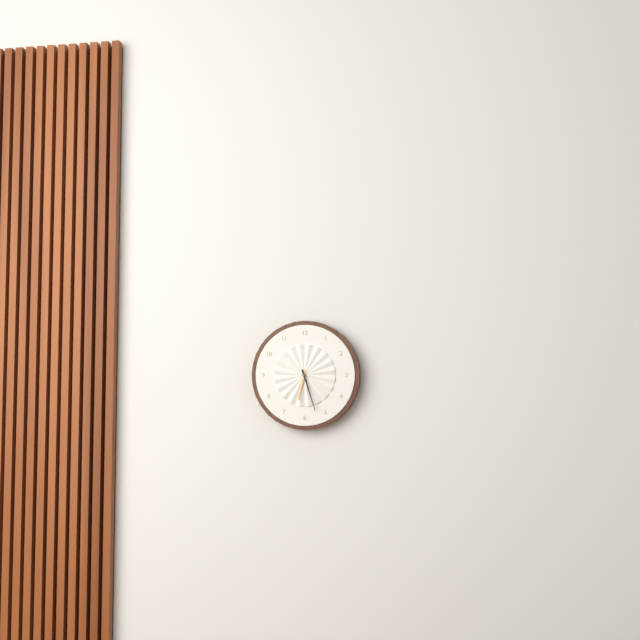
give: {"hour": 6, "minute": 27}
